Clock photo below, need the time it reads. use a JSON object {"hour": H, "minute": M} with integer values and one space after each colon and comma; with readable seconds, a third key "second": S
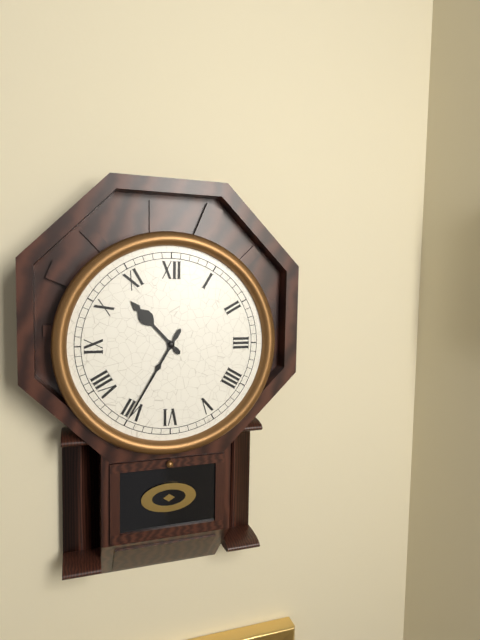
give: {"hour": 10, "minute": 35}
